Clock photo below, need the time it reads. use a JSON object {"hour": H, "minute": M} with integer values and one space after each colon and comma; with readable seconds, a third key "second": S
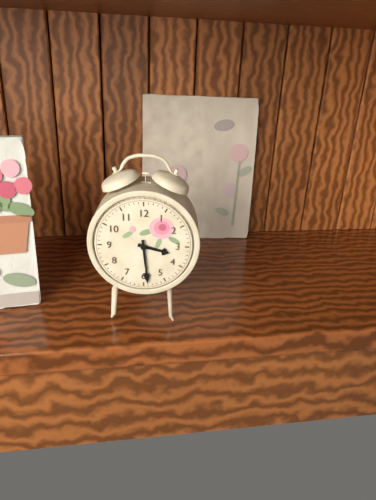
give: {"hour": 3, "minute": 29}
